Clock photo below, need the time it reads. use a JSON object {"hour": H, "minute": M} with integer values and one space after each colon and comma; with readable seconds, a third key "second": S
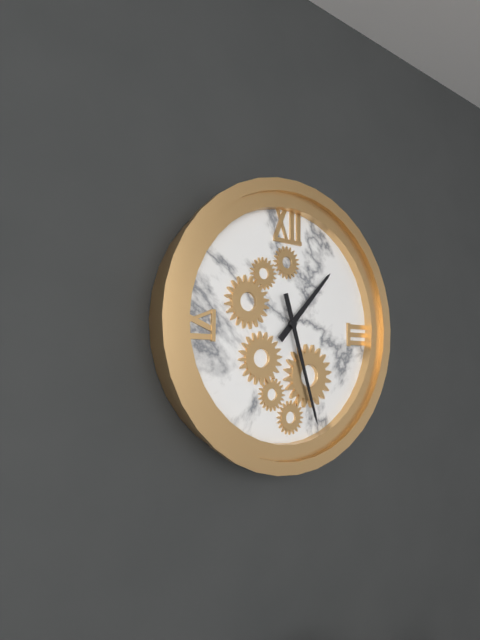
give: {"hour": 1, "minute": 27}
